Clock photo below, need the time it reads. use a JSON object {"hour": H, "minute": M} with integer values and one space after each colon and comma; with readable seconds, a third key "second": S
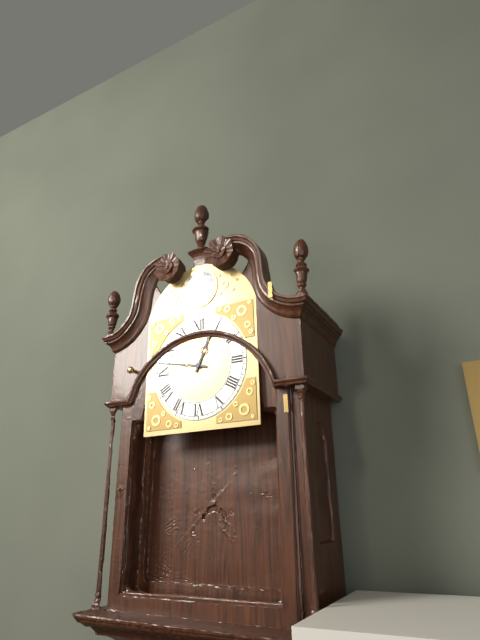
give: {"hour": 12, "minute": 47}
